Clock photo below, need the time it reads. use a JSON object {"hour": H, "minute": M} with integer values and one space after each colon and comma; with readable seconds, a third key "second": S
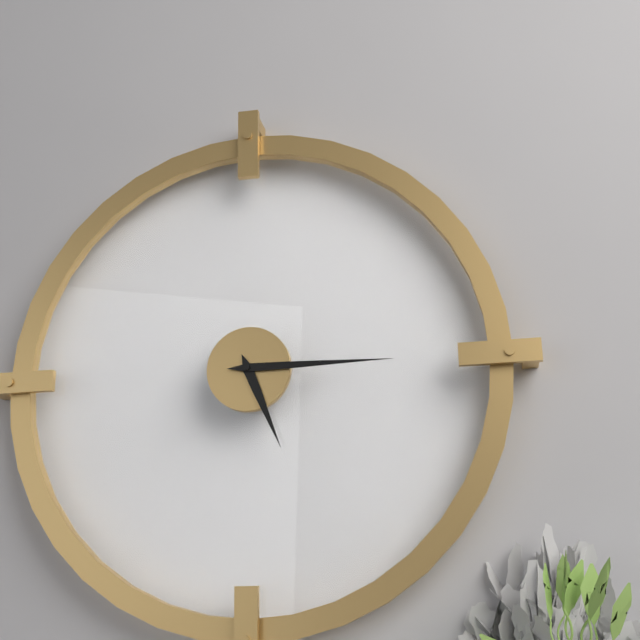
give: {"hour": 5, "minute": 15}
